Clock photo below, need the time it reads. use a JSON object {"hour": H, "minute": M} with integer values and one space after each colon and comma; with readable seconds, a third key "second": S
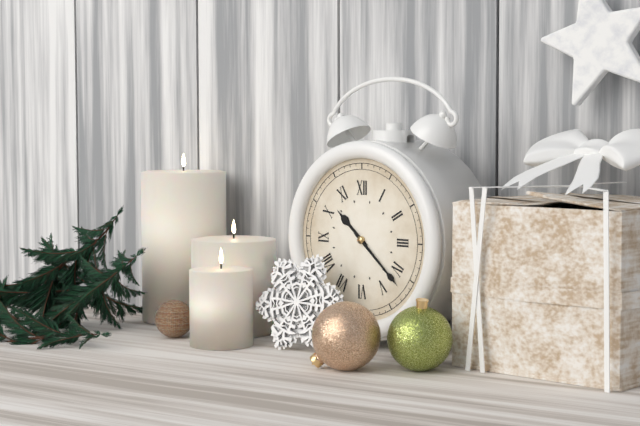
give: {"hour": 10, "minute": 22}
